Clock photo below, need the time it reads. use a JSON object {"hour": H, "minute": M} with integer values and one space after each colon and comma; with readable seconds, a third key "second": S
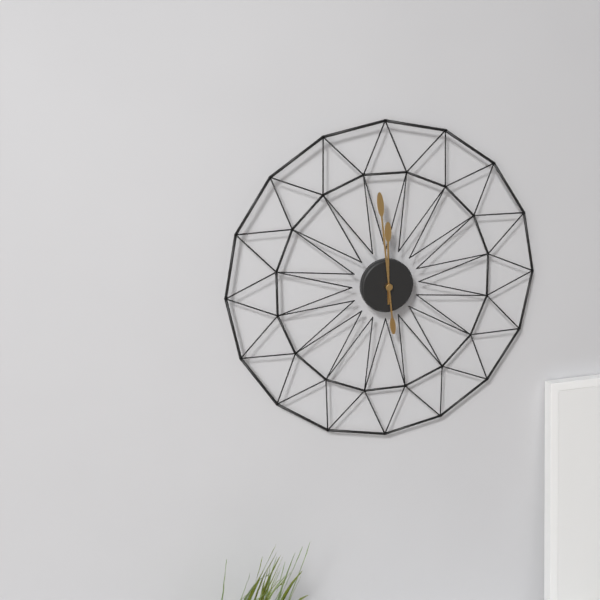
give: {"hour": 11, "minute": 59}
